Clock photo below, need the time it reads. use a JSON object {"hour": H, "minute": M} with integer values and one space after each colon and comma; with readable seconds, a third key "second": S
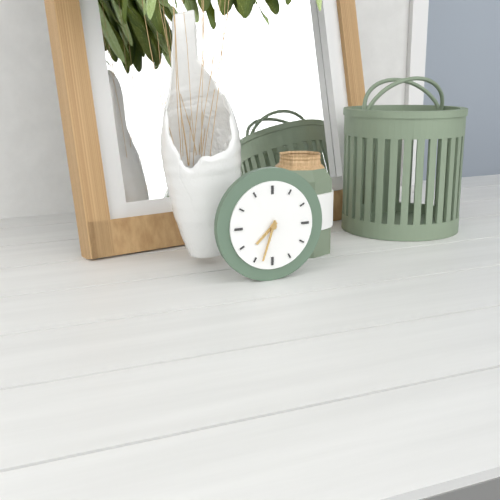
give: {"hour": 7, "minute": 33}
